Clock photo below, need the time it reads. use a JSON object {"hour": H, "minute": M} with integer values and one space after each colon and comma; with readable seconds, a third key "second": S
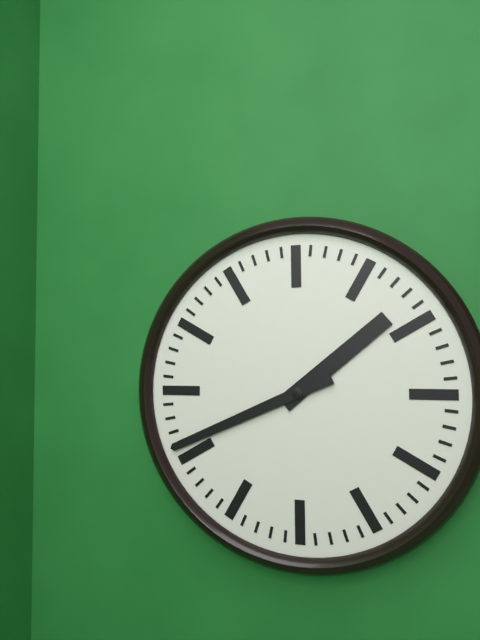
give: {"hour": 1, "minute": 41}
